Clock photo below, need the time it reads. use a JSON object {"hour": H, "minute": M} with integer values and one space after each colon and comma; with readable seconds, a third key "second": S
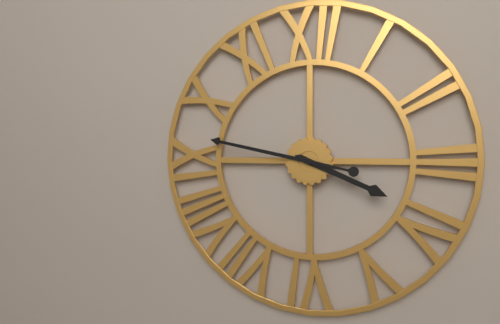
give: {"hour": 3, "minute": 47}
